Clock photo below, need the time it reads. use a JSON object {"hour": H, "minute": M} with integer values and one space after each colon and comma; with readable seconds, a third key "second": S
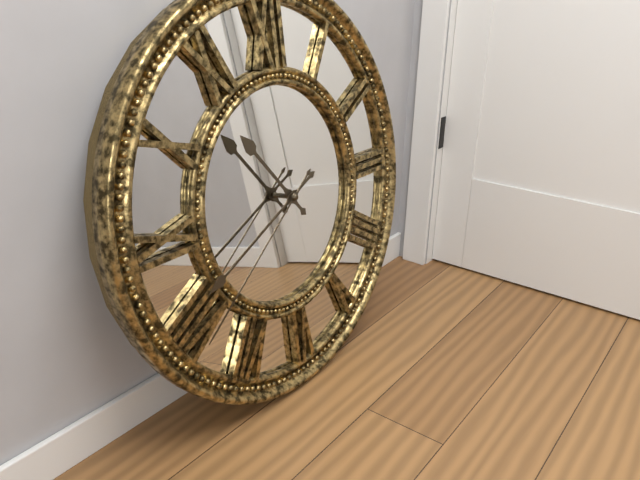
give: {"hour": 10, "minute": 41, "second": 39}
